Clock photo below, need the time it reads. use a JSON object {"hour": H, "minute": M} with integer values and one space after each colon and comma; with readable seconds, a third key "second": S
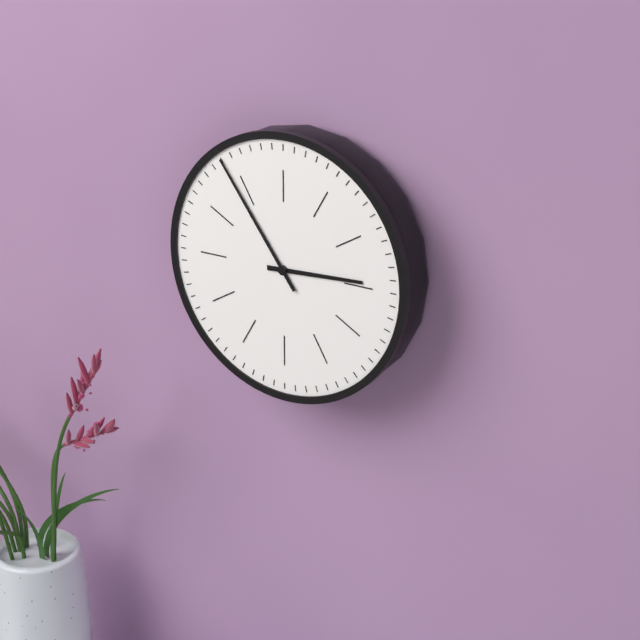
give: {"hour": 2, "minute": 54}
